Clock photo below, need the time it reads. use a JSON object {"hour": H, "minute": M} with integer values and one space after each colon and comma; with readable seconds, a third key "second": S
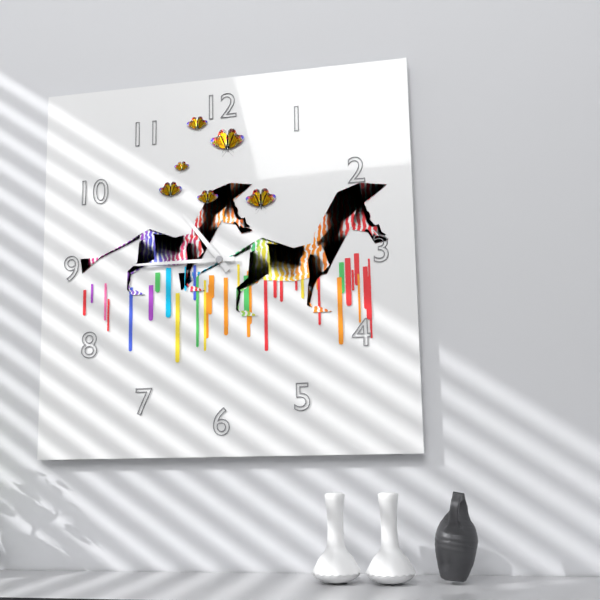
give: {"hour": 10, "minute": 45}
